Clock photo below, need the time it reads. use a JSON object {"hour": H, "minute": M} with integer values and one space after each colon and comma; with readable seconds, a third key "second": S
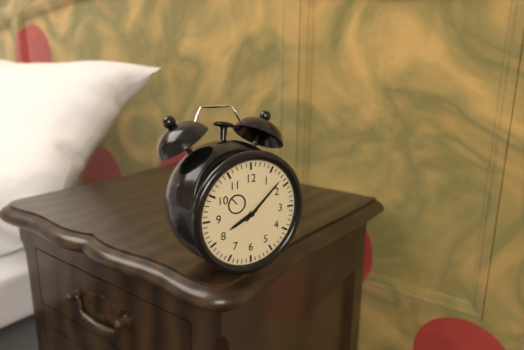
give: {"hour": 8, "minute": 8}
